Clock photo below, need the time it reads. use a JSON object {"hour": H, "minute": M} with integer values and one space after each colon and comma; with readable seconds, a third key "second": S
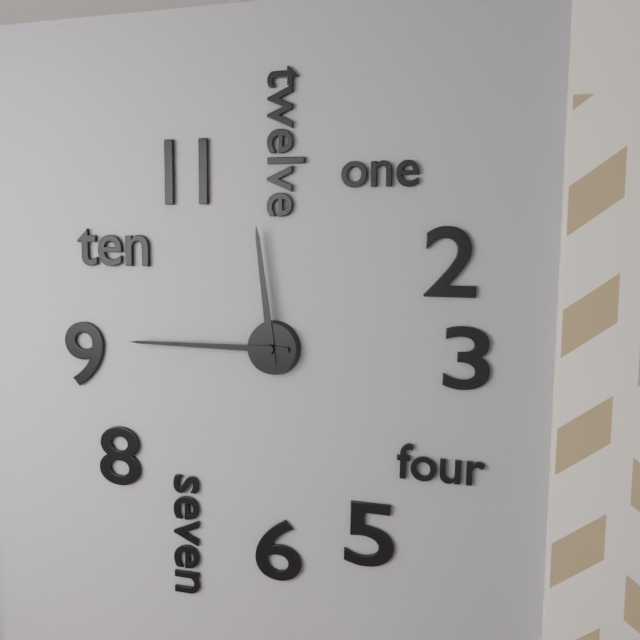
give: {"hour": 11, "minute": 45}
